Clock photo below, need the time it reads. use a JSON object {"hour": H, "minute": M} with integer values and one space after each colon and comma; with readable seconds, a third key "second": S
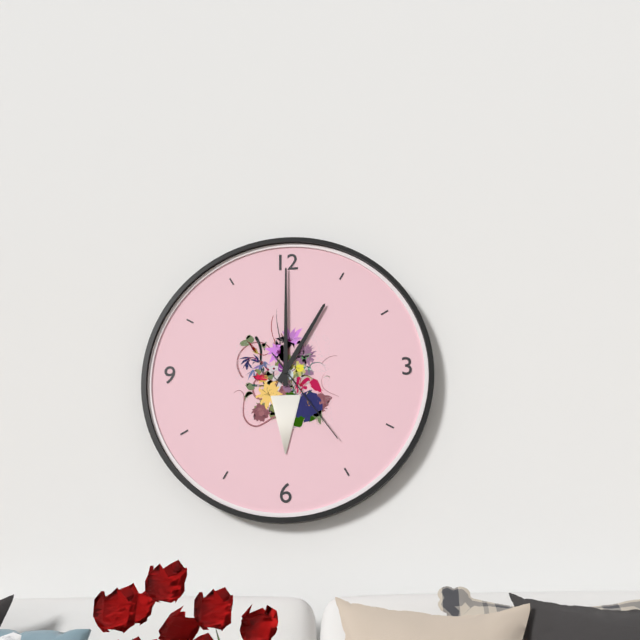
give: {"hour": 1, "minute": 0, "second": 24}
